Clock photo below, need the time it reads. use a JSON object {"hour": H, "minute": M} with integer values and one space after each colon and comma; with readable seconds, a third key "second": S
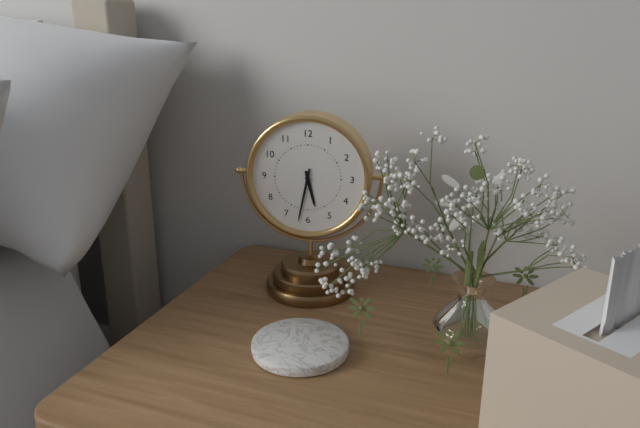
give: {"hour": 5, "minute": 32}
